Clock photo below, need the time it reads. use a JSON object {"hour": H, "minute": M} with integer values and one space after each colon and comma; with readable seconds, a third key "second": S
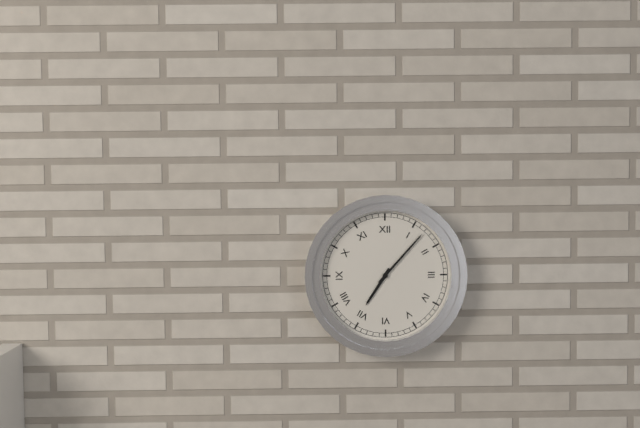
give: {"hour": 7, "minute": 7}
